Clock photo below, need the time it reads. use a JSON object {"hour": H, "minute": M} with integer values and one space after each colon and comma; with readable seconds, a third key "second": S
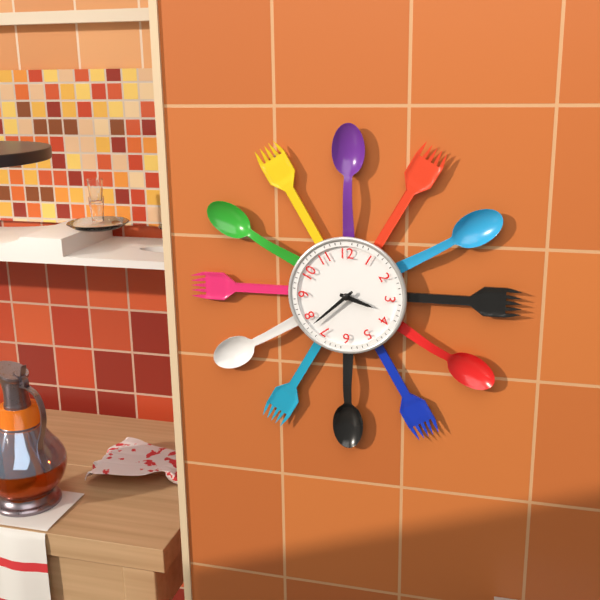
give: {"hour": 3, "minute": 38}
